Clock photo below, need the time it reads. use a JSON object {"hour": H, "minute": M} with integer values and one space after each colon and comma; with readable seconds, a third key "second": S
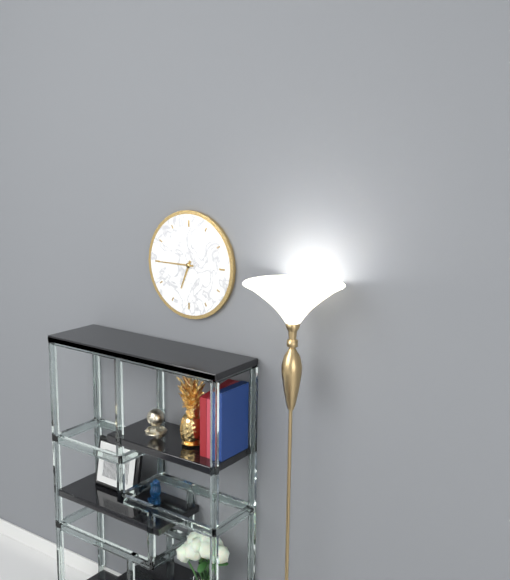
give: {"hour": 6, "minute": 45}
